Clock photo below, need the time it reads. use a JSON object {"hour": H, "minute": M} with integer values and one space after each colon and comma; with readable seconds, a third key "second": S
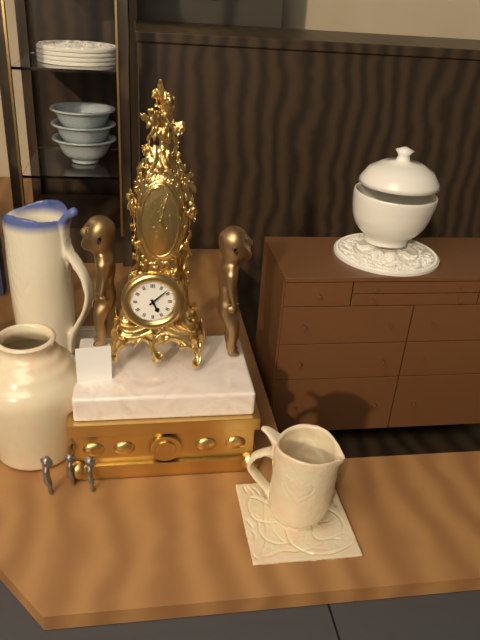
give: {"hour": 5, "minute": 8}
